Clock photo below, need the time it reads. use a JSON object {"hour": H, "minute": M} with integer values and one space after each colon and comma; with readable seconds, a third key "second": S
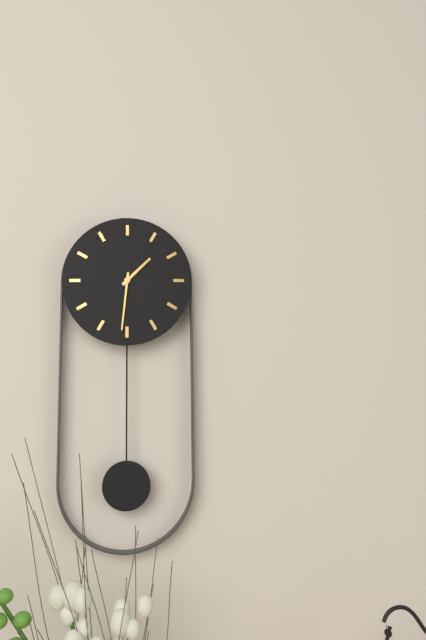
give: {"hour": 1, "minute": 31}
